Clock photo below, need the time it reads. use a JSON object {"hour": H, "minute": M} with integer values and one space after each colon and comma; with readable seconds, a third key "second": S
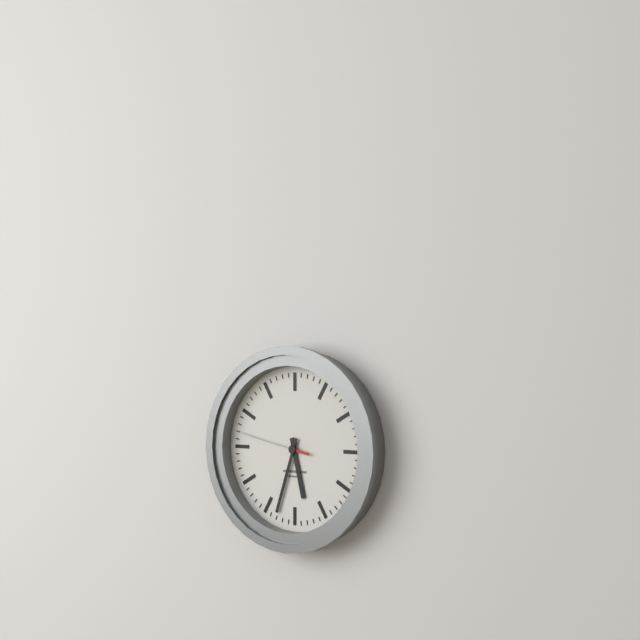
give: {"hour": 5, "minute": 33, "second": 47}
